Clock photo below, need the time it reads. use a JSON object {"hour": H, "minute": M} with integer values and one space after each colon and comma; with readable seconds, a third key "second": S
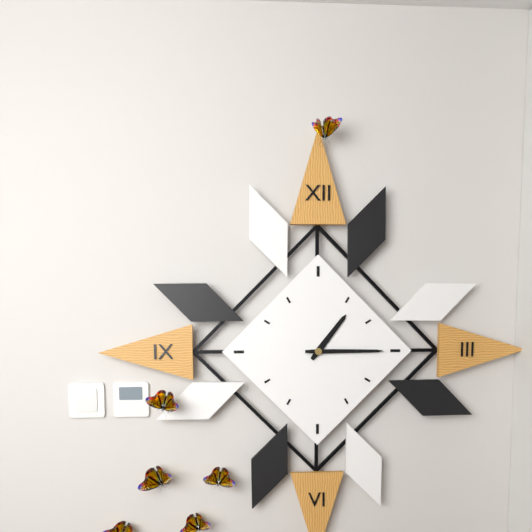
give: {"hour": 1, "minute": 15}
